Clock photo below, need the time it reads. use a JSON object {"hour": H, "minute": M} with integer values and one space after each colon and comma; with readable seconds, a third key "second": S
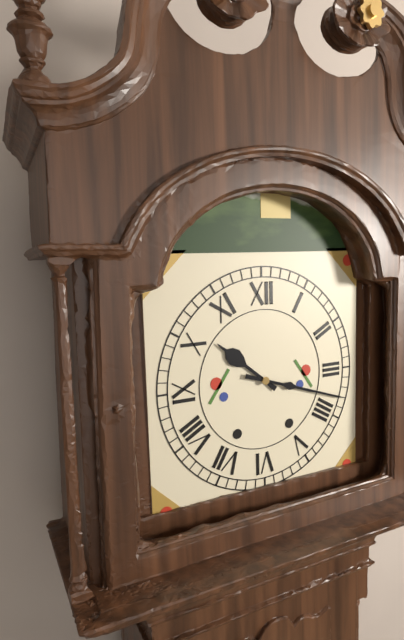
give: {"hour": 10, "minute": 18}
